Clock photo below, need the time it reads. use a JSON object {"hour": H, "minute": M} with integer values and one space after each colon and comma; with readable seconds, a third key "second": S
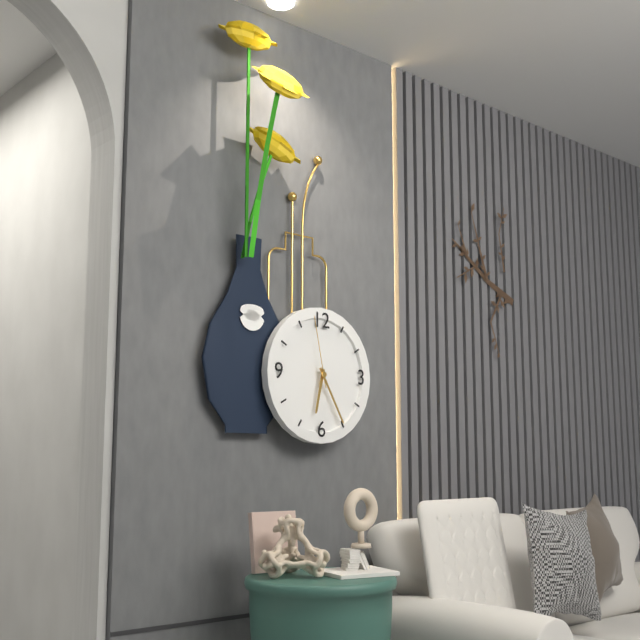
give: {"hour": 6, "minute": 25, "second": 58}
